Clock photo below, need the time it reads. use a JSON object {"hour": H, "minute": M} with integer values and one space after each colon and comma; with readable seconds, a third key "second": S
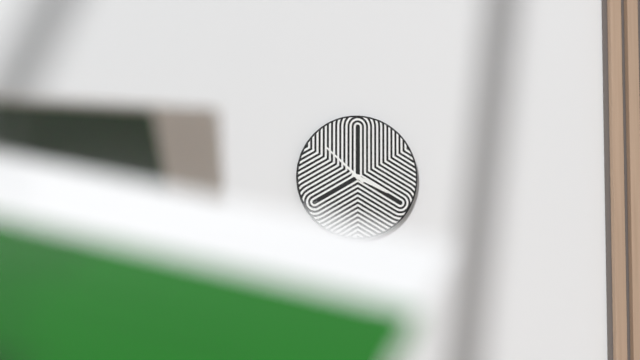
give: {"hour": 3, "minute": 52}
